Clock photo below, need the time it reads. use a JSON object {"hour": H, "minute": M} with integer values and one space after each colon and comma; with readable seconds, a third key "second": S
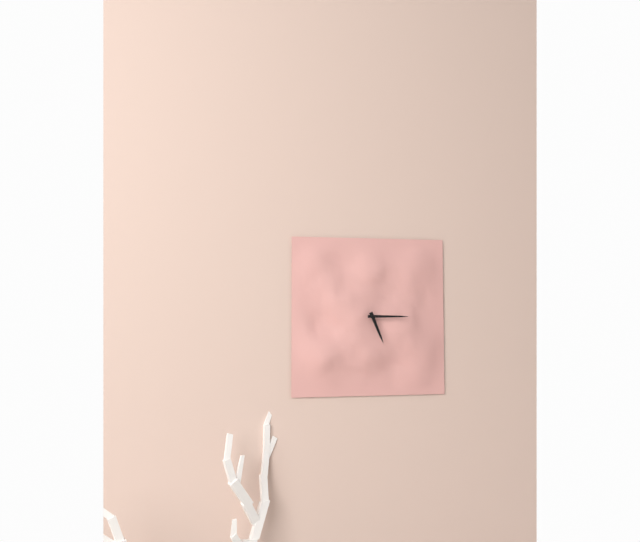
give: {"hour": 5, "minute": 15}
